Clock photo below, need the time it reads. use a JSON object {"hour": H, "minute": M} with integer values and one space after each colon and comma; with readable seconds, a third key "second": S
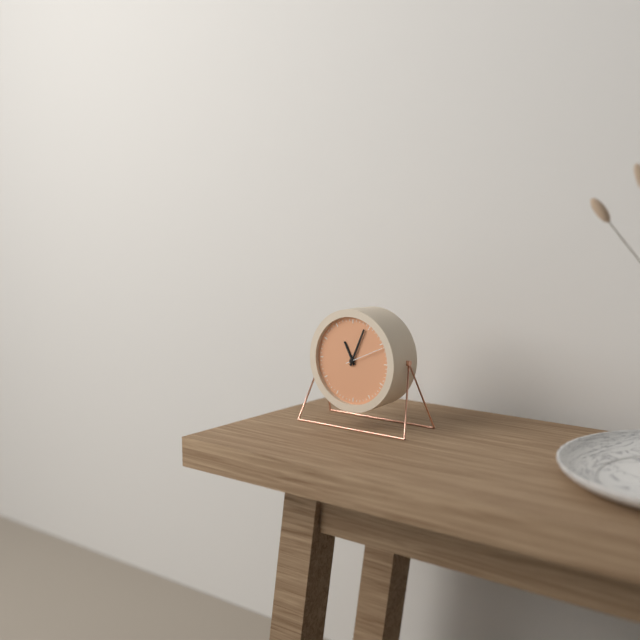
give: {"hour": 11, "minute": 4}
